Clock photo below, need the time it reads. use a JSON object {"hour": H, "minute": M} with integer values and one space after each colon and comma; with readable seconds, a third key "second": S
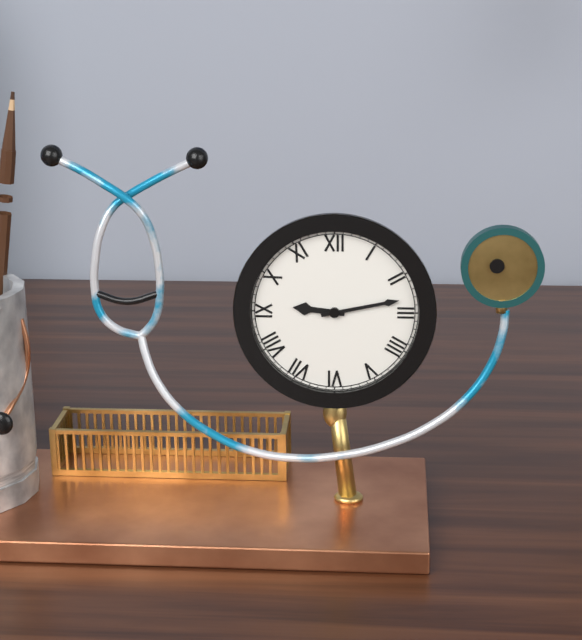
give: {"hour": 9, "minute": 13}
